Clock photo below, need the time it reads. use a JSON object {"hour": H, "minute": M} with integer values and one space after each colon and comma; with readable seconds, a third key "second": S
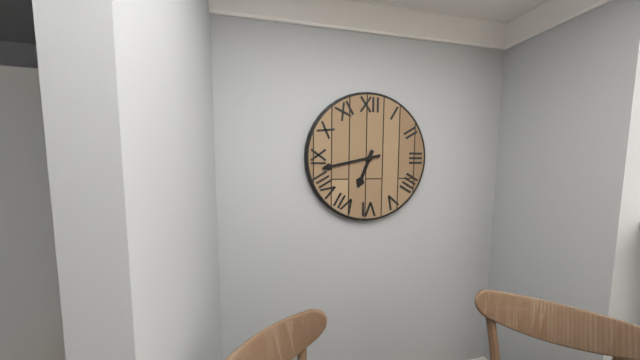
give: {"hour": 6, "minute": 43}
